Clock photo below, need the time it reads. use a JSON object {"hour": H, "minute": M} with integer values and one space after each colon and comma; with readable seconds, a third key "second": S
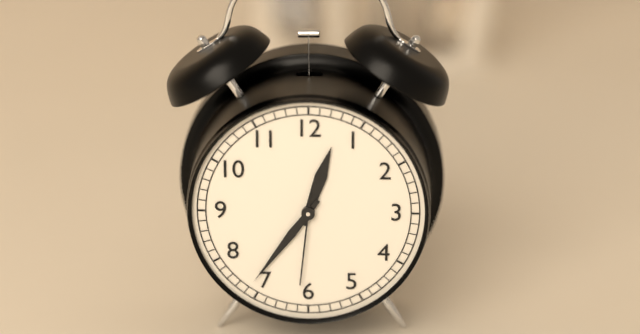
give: {"hour": 12, "minute": 36, "second": 31}
